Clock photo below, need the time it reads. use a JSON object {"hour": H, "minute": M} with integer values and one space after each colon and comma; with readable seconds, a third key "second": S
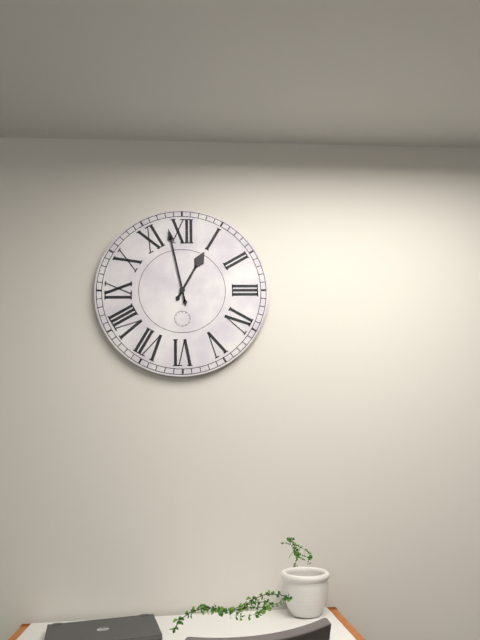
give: {"hour": 12, "minute": 58}
